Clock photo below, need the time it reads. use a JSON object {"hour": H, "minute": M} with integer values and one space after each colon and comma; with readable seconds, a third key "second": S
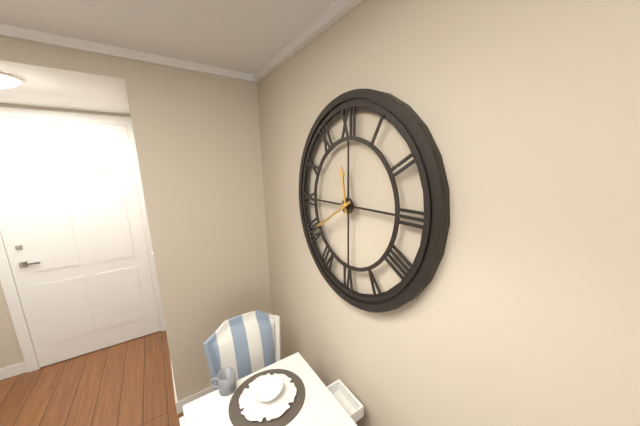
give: {"hour": 11, "minute": 40}
